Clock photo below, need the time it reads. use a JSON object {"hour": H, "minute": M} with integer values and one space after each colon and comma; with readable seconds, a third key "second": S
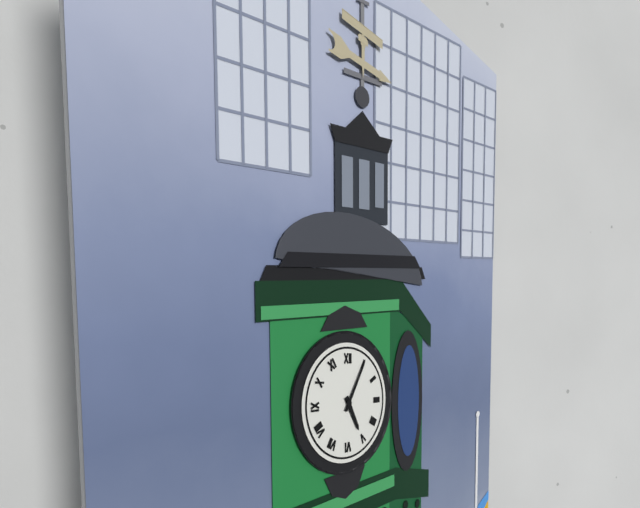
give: {"hour": 5, "minute": 5}
